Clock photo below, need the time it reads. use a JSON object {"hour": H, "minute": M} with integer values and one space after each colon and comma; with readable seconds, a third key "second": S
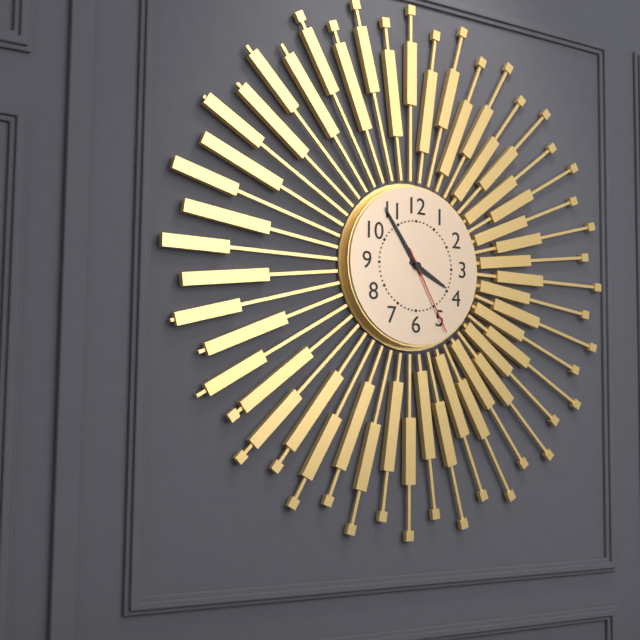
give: {"hour": 3, "minute": 54, "second": 25}
